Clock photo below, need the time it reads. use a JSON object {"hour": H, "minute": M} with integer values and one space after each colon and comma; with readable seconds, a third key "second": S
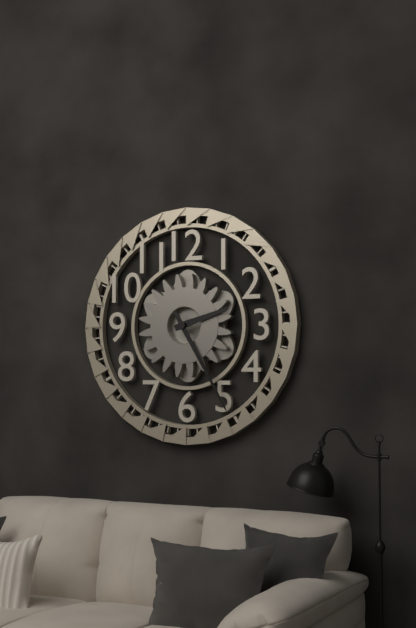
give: {"hour": 2, "minute": 25}
